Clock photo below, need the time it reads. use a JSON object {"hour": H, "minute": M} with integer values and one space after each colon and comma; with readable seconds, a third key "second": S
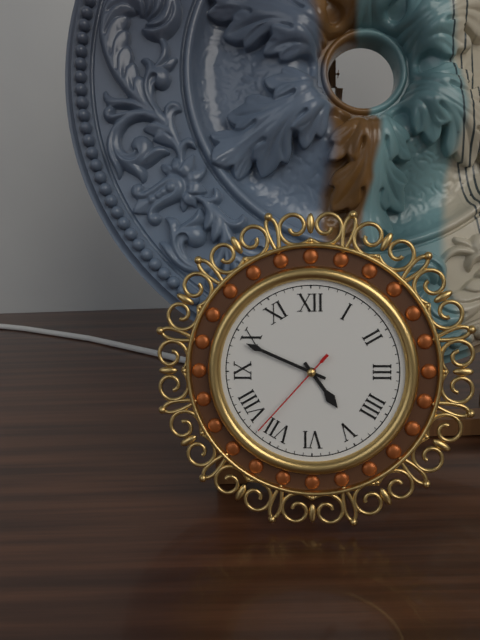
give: {"hour": 4, "minute": 49, "second": 37}
